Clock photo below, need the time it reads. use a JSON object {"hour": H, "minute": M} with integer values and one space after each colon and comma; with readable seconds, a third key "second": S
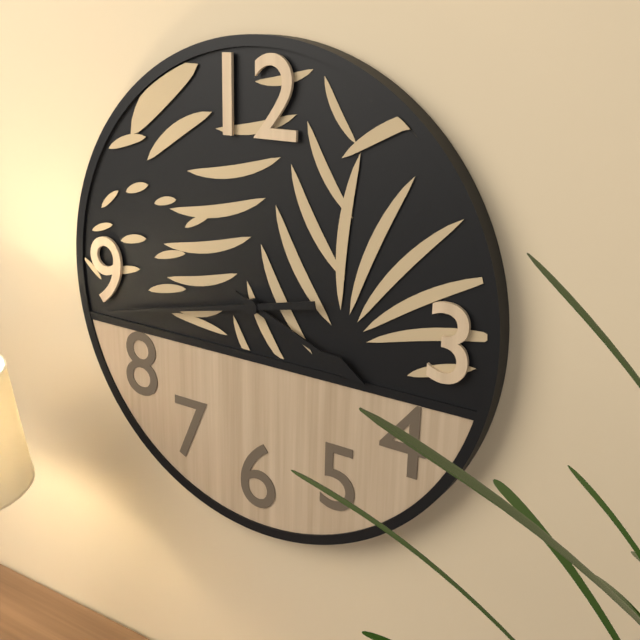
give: {"hour": 3, "minute": 43}
